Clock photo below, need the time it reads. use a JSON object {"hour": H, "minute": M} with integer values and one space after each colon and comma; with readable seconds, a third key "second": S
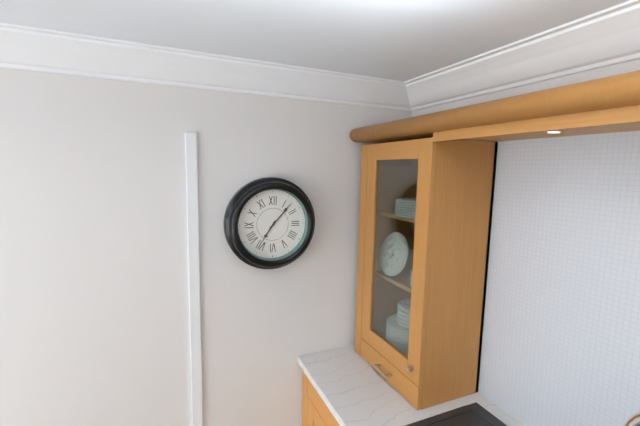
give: {"hour": 7, "minute": 7}
